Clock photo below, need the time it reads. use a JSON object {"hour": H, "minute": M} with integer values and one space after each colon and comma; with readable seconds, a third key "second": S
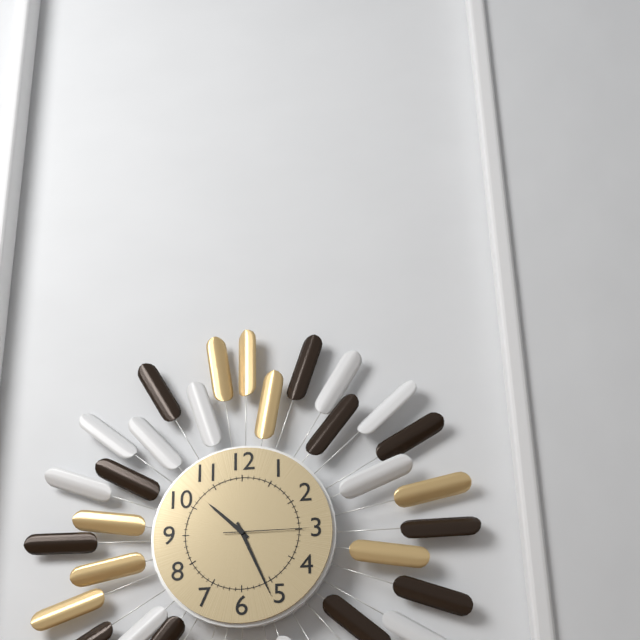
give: {"hour": 10, "minute": 26, "second": 15}
